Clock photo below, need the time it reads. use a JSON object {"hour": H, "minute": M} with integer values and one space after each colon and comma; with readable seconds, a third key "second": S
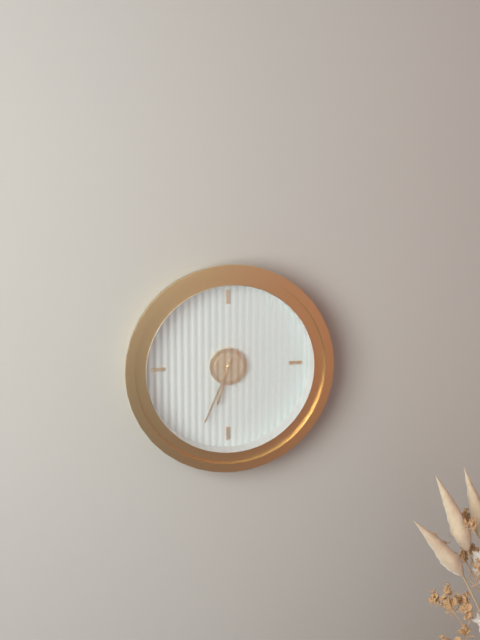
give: {"hour": 6, "minute": 34}
